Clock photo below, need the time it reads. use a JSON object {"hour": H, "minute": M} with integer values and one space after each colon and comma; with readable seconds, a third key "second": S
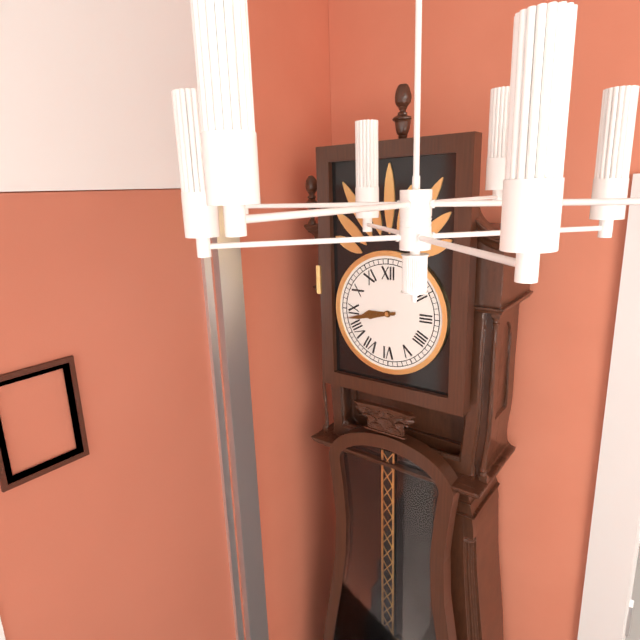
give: {"hour": 8, "minute": 43}
